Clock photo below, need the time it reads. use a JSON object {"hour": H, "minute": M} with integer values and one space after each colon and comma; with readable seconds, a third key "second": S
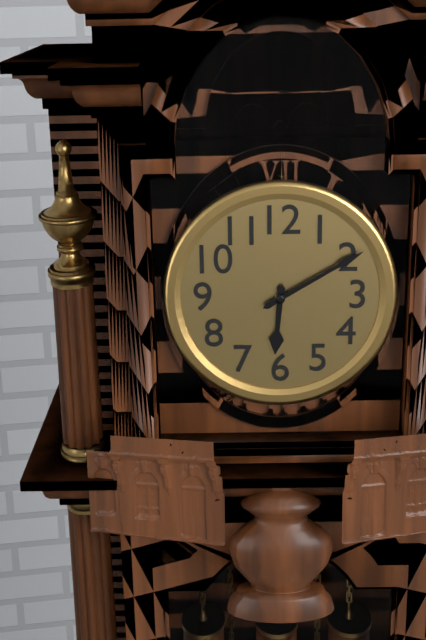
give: {"hour": 6, "minute": 10}
